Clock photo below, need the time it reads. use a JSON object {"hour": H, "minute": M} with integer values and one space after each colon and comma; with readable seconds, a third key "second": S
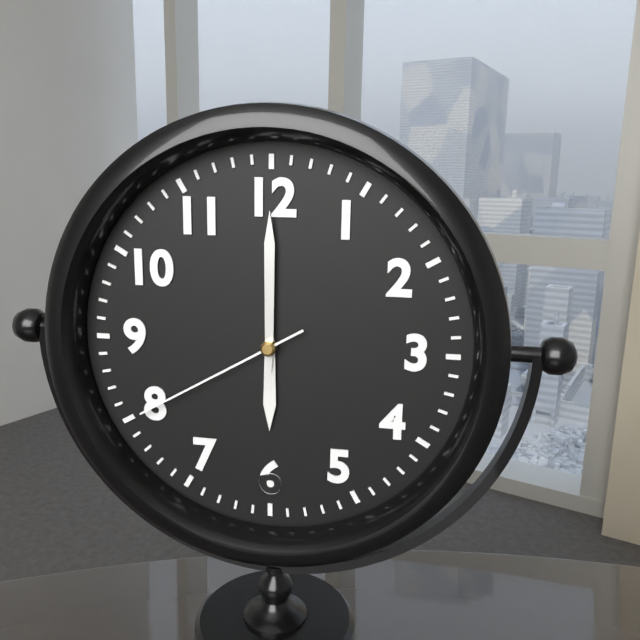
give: {"hour": 6, "minute": 0, "second": 40}
